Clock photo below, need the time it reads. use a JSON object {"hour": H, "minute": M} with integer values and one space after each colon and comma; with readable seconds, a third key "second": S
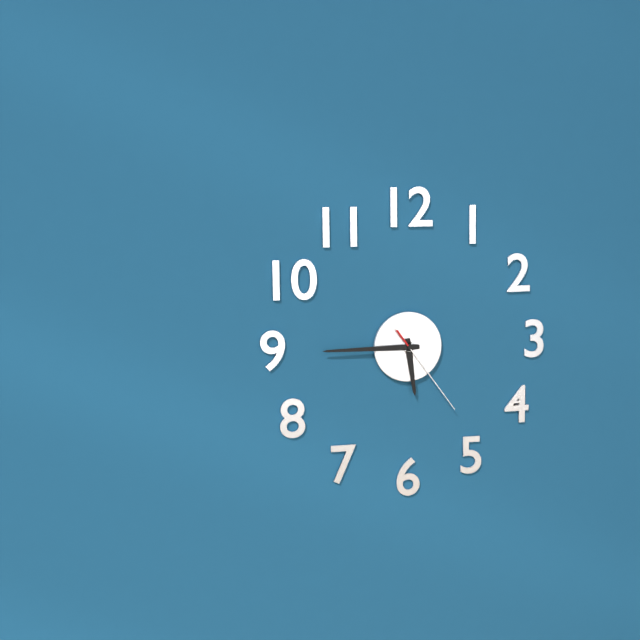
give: {"hour": 5, "minute": 45, "second": 24}
